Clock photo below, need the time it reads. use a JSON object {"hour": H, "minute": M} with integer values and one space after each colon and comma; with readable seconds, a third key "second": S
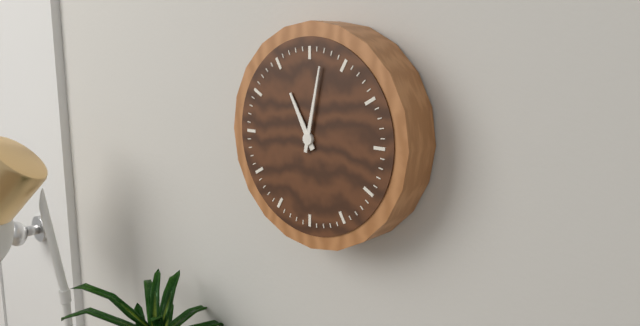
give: {"hour": 11, "minute": 2}
